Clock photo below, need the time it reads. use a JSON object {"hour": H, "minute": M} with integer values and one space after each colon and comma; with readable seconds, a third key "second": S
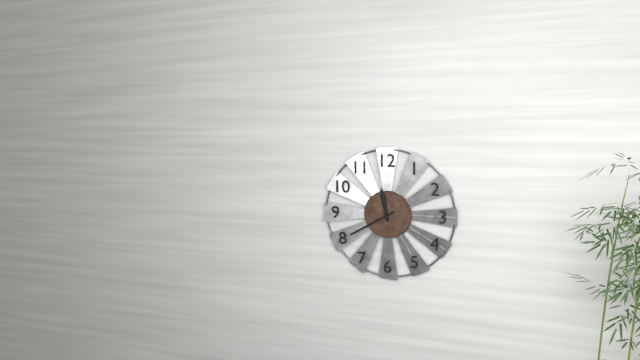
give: {"hour": 11, "minute": 40}
